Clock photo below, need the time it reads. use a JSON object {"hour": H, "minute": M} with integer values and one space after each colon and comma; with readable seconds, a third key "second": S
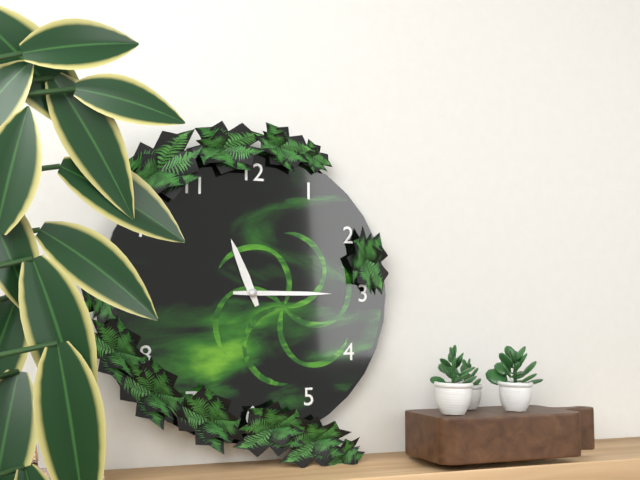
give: {"hour": 11, "minute": 15}
